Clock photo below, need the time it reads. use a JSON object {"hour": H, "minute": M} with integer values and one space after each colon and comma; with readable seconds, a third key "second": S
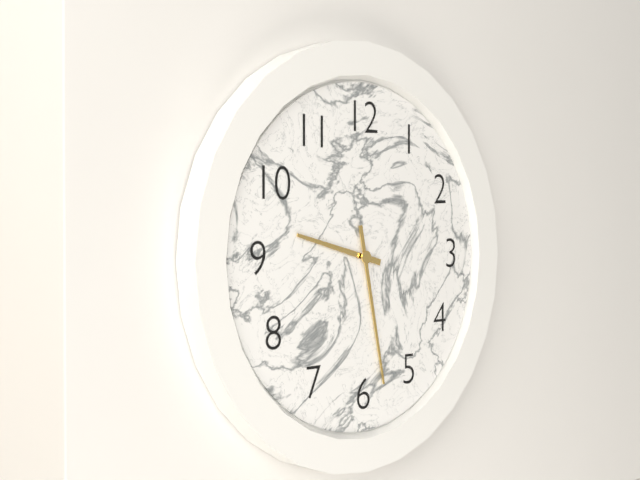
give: {"hour": 9, "minute": 28}
